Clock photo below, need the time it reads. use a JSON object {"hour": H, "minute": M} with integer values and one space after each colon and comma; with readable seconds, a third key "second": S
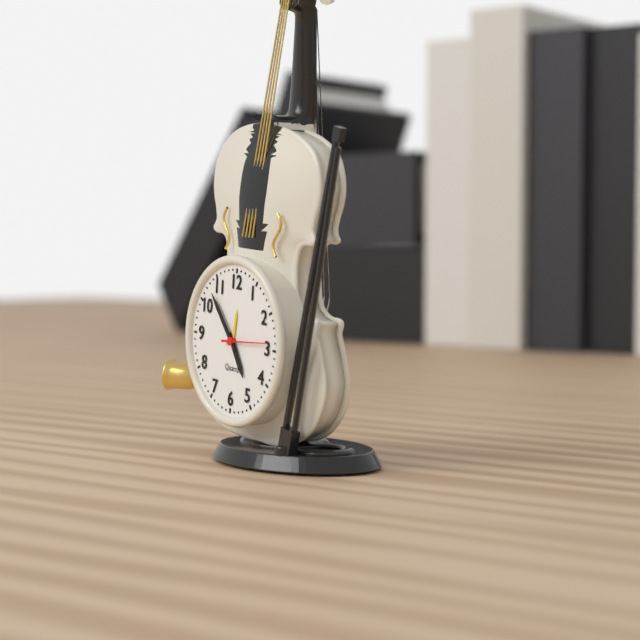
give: {"hour": 4, "minute": 53}
